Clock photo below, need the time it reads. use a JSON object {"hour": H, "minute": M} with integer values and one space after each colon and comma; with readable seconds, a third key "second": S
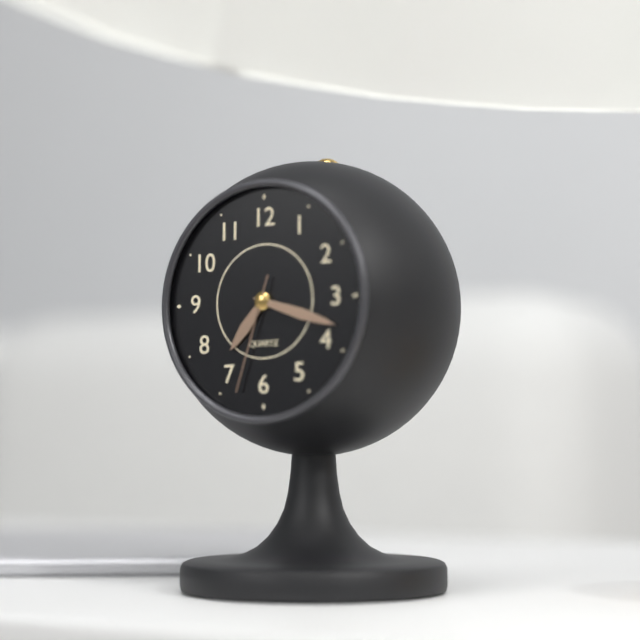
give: {"hour": 7, "minute": 18, "second": 33}
